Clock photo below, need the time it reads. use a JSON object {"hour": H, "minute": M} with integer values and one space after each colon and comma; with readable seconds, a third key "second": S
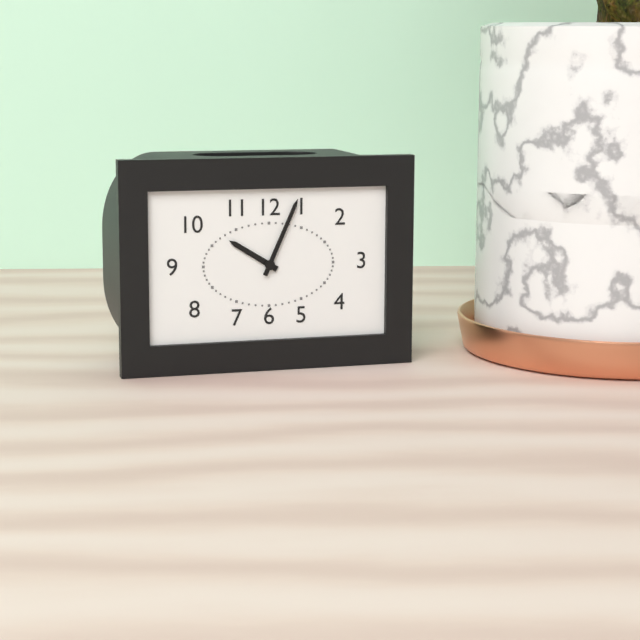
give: {"hour": 10, "minute": 4}
